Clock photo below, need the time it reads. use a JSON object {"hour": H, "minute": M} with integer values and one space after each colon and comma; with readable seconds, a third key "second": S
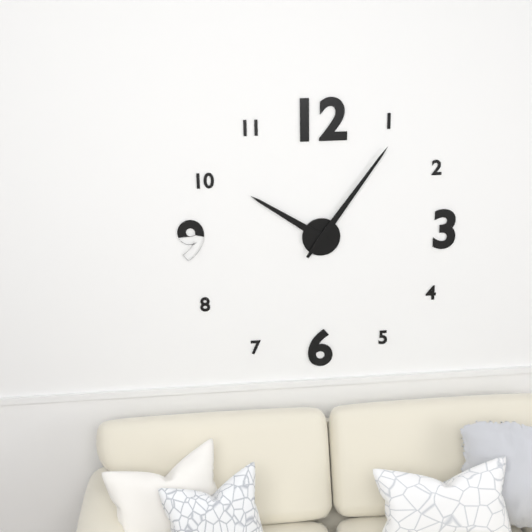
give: {"hour": 10, "minute": 6}
